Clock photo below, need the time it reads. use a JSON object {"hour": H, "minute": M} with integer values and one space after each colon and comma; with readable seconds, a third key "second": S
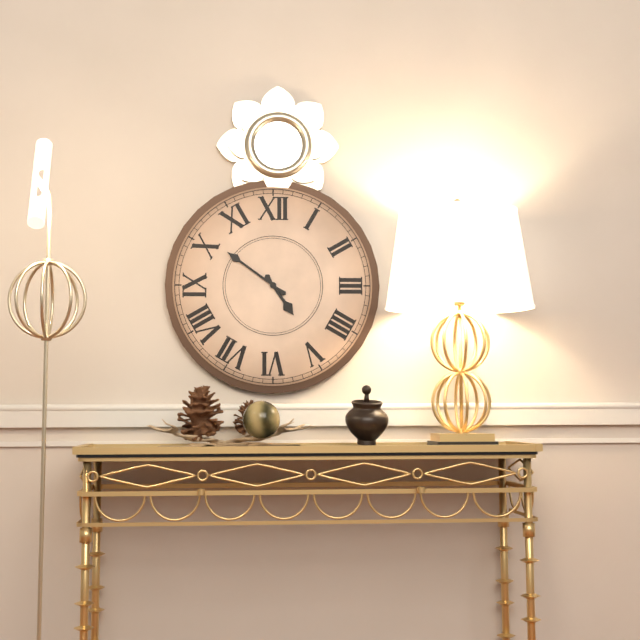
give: {"hour": 4, "minute": 51}
